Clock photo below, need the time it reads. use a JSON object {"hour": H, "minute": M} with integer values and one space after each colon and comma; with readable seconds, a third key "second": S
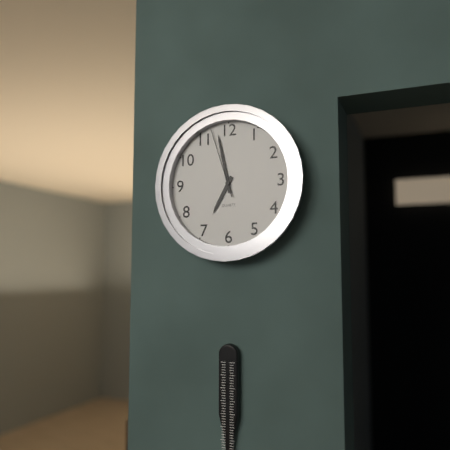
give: {"hour": 6, "minute": 58, "second": 57}
